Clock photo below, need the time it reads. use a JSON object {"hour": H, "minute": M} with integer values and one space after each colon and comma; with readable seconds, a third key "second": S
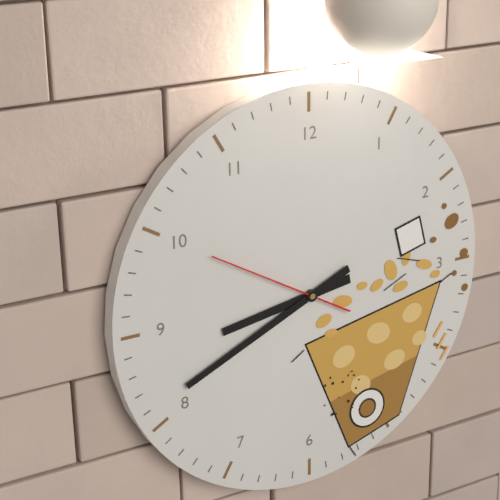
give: {"hour": 8, "minute": 41, "second": 50}
